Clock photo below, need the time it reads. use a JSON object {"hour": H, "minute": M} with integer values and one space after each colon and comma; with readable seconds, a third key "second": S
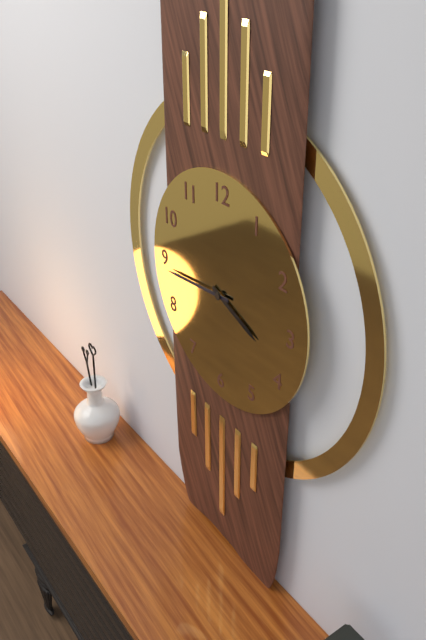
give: {"hour": 3, "minute": 44}
